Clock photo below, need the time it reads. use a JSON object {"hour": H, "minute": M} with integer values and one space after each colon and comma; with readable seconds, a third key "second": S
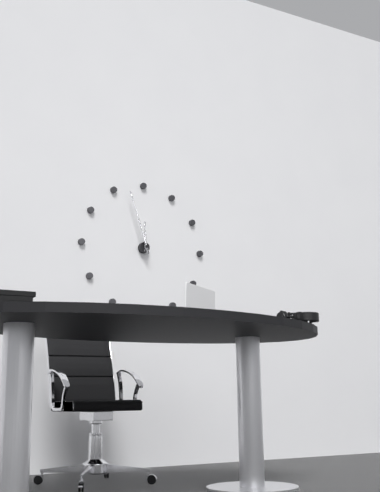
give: {"hour": 11, "minute": 57}
